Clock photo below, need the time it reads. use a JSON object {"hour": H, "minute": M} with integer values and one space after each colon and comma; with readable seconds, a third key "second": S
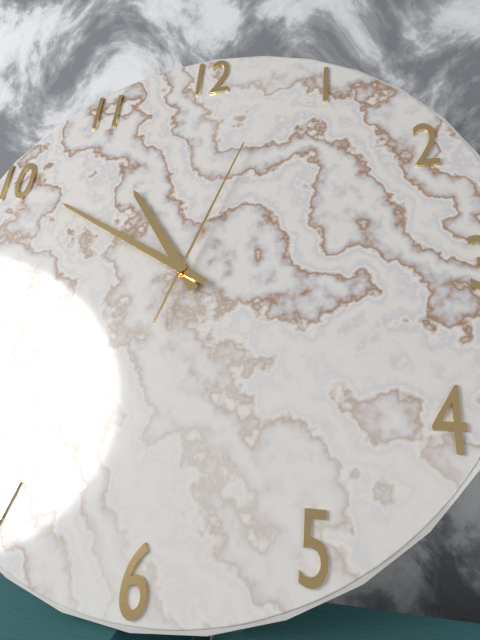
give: {"hour": 10, "minute": 50, "second": 3}
